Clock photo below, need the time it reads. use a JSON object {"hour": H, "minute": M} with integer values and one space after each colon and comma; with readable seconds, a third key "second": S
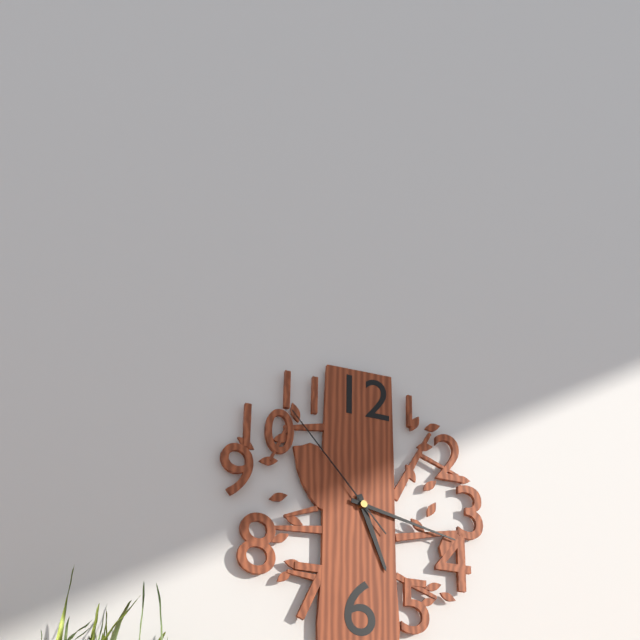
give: {"hour": 5, "minute": 17, "second": 53}
